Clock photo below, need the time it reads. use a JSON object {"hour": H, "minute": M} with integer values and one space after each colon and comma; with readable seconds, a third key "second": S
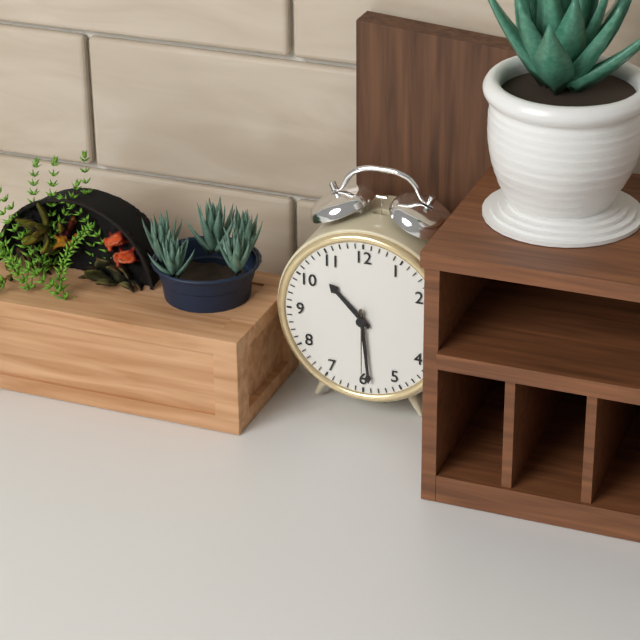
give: {"hour": 10, "minute": 29, "second": 30}
